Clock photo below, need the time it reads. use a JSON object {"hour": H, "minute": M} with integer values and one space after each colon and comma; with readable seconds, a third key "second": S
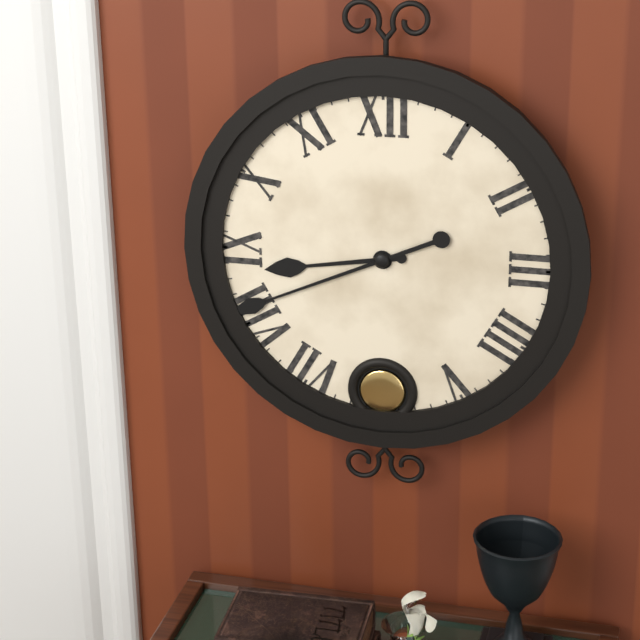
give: {"hour": 8, "minute": 41}
